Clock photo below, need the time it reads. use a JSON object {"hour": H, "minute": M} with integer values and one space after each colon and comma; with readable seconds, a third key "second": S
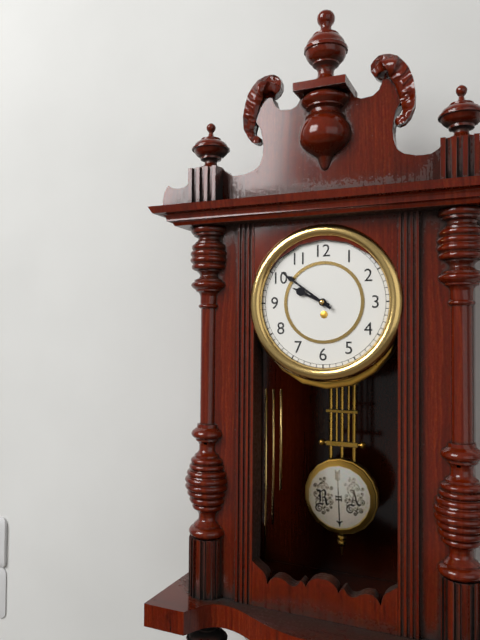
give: {"hour": 9, "minute": 51}
